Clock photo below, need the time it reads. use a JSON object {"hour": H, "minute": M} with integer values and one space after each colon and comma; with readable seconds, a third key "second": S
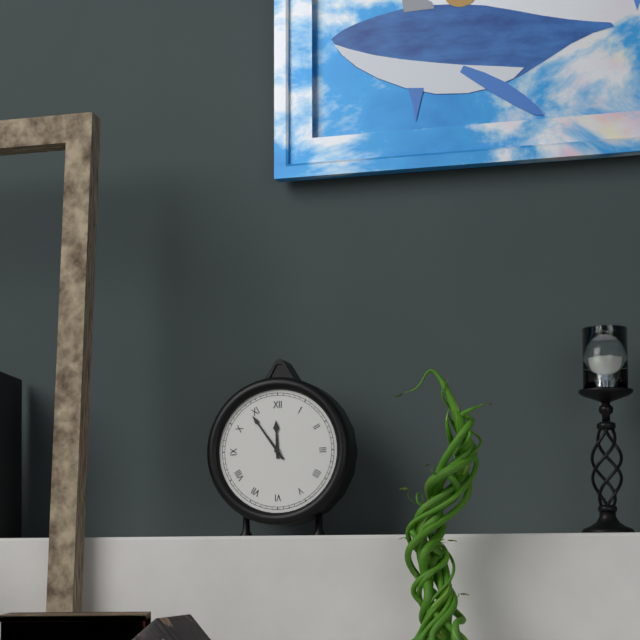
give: {"hour": 11, "minute": 54}
